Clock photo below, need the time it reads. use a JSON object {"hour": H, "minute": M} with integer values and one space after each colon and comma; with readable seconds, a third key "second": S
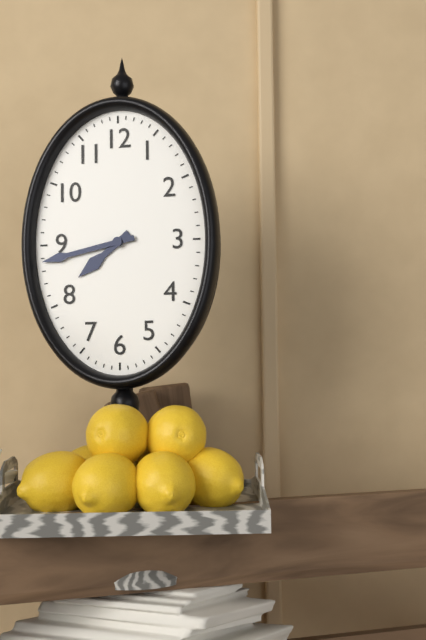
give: {"hour": 7, "minute": 43}
